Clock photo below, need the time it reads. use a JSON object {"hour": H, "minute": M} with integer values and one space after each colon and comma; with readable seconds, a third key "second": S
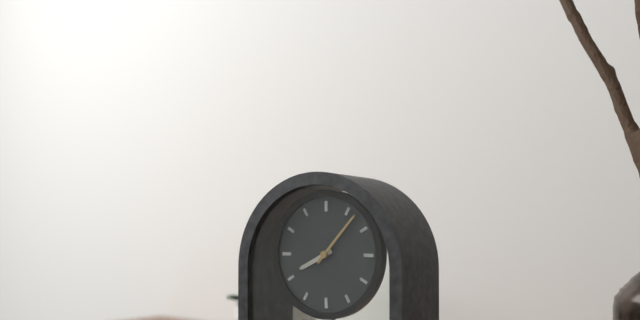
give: {"hour": 8, "minute": 7}
